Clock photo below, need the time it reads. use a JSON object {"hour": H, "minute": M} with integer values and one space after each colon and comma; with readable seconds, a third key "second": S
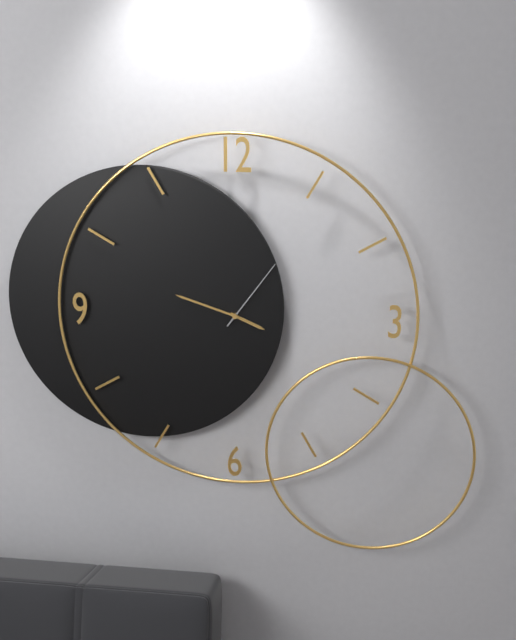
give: {"hour": 3, "minute": 48, "second": 6}
